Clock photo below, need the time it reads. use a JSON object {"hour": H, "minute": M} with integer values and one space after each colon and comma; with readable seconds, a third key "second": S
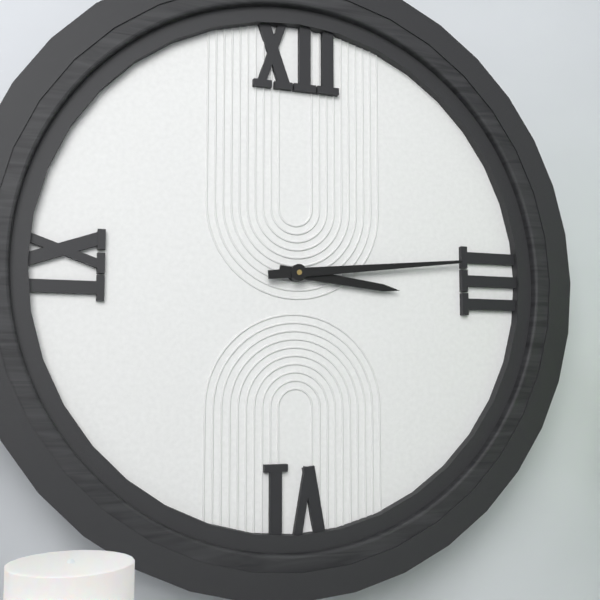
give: {"hour": 3, "minute": 14}
